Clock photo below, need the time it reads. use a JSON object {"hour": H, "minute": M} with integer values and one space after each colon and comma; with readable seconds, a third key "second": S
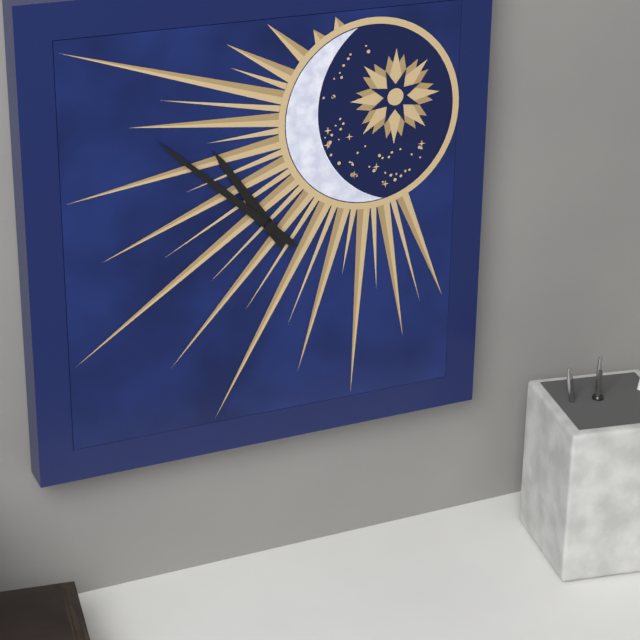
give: {"hour": 10, "minute": 52}
